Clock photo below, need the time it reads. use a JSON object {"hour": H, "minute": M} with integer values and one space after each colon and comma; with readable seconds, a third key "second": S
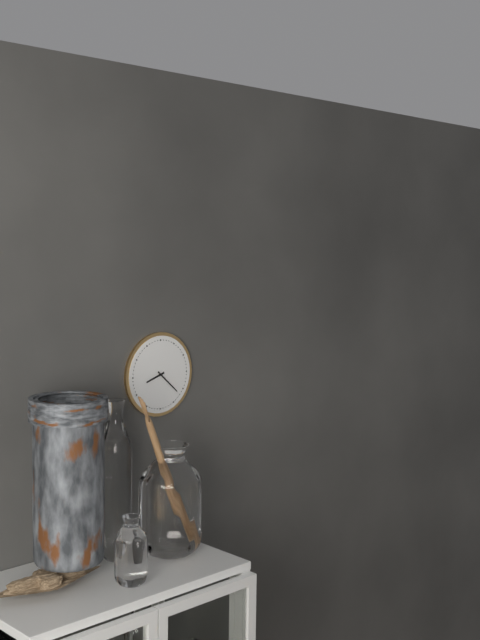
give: {"hour": 8, "minute": 22}
